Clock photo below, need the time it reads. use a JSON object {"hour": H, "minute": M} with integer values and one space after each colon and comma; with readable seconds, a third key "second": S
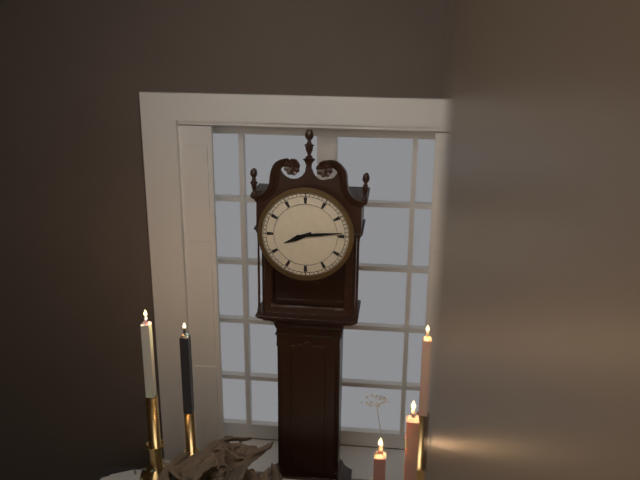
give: {"hour": 8, "minute": 14}
